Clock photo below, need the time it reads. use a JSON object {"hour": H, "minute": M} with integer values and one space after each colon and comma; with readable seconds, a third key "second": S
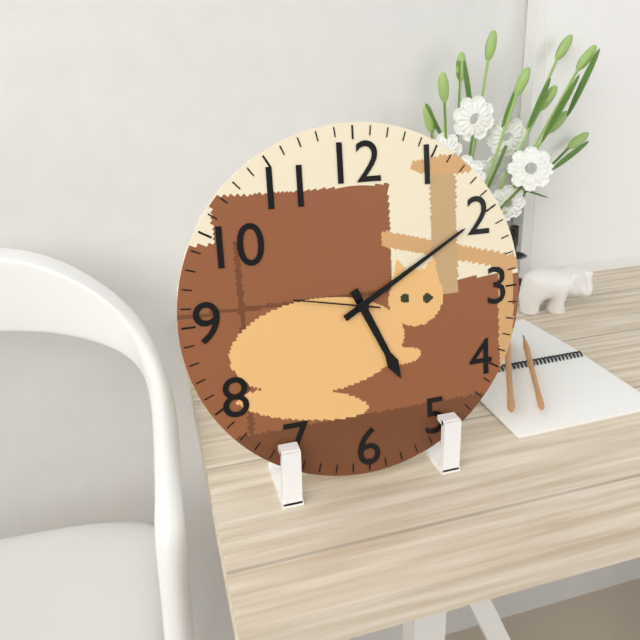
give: {"hour": 5, "minute": 10, "second": 47}
